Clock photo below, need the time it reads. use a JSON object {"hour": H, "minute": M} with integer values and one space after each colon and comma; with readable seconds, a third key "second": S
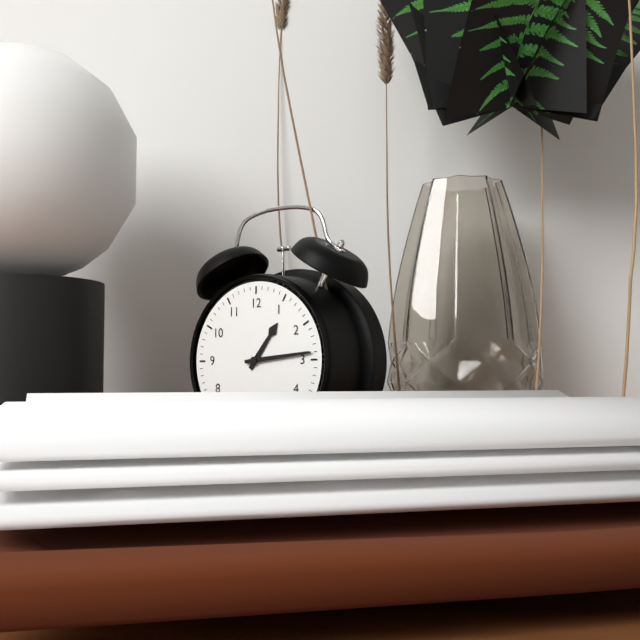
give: {"hour": 1, "minute": 14}
